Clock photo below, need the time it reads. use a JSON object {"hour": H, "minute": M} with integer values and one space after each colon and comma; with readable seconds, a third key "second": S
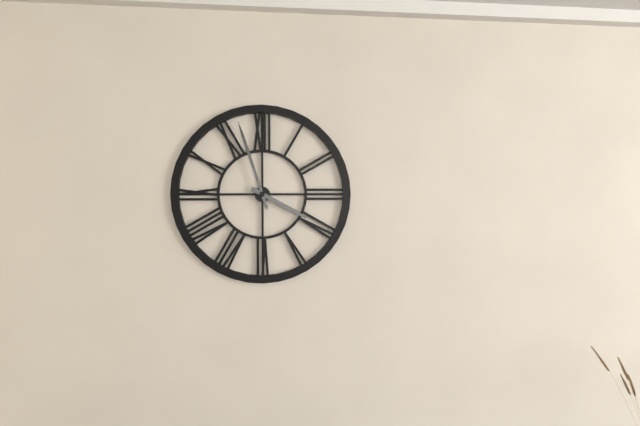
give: {"hour": 3, "minute": 57}
